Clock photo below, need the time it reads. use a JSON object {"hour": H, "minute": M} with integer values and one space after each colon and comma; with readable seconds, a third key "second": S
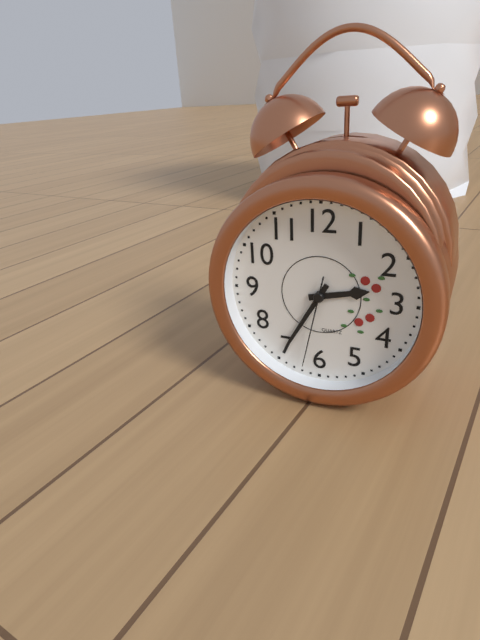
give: {"hour": 2, "minute": 35, "second": 32}
